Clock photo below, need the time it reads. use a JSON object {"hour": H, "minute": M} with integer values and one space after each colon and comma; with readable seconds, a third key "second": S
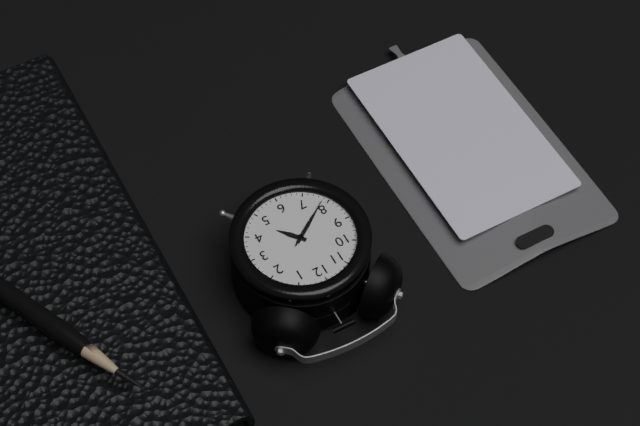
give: {"hour": 4, "minute": 39, "second": 39}
